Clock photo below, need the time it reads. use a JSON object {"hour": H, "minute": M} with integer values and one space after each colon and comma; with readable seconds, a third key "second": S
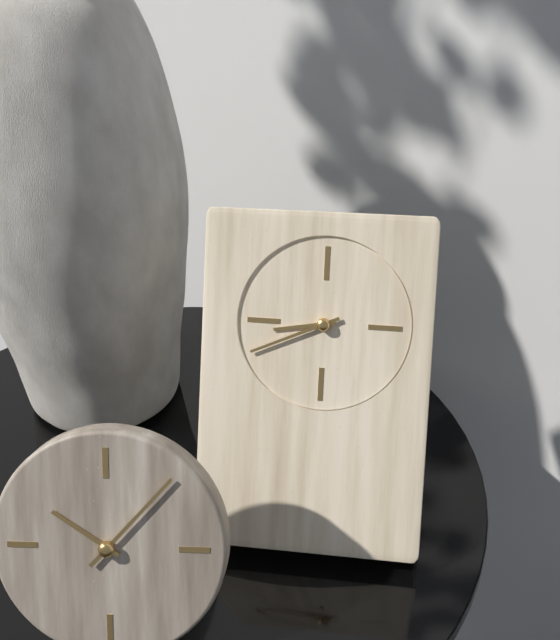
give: {"hour": 8, "minute": 41}
